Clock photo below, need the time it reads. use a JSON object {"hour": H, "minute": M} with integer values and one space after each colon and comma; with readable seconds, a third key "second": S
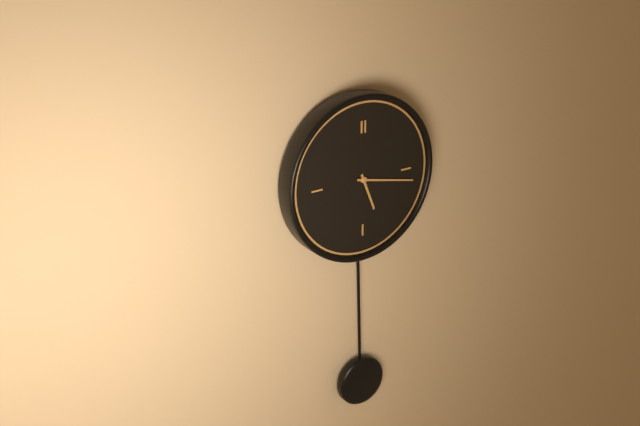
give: {"hour": 5, "minute": 17}
